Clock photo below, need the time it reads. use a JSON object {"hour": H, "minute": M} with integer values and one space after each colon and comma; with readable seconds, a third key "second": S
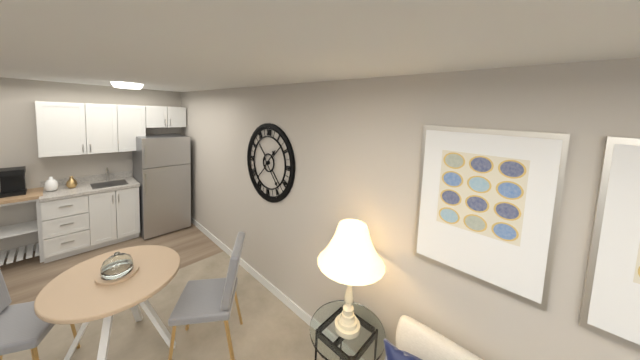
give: {"hour": 1, "minute": 23}
